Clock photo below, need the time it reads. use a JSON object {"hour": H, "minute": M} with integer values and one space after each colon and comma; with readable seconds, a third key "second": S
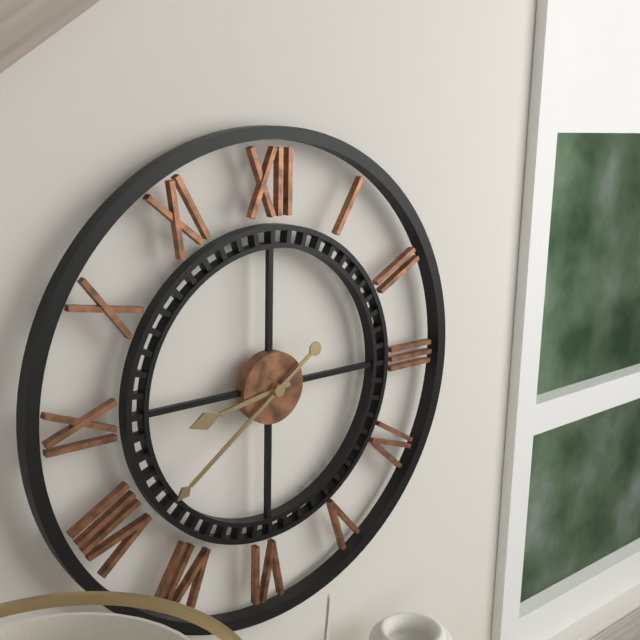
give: {"hour": 8, "minute": 39}
